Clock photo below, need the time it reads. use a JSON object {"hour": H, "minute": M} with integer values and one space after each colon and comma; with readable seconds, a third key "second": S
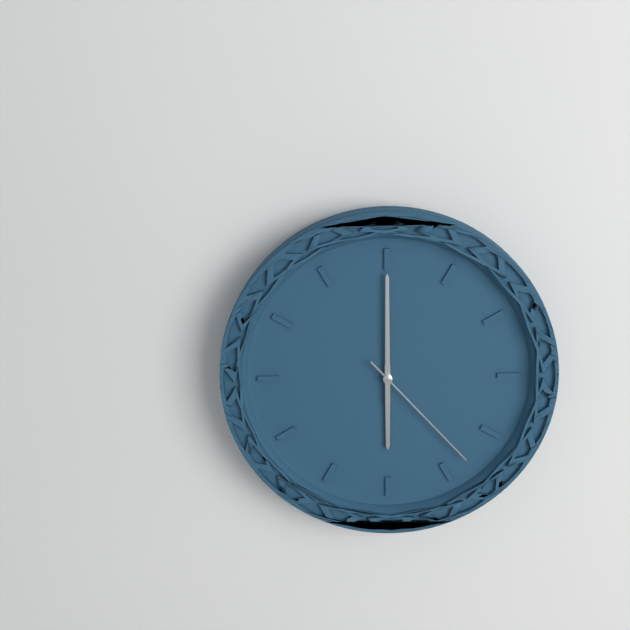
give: {"hour": 6, "minute": 0, "second": 23}
